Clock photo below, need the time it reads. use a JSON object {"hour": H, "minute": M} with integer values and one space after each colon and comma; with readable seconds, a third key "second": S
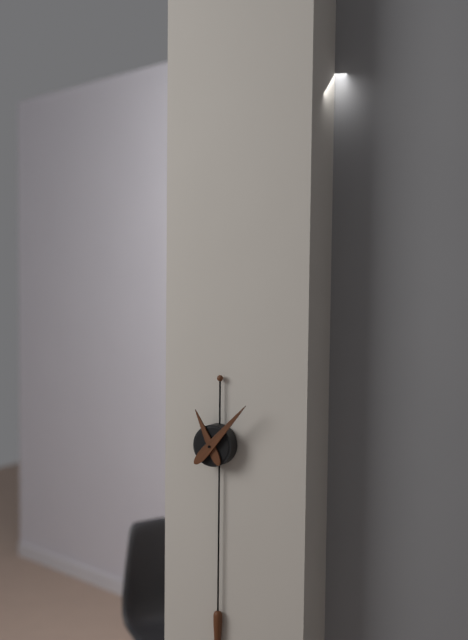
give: {"hour": 11, "minute": 7}
